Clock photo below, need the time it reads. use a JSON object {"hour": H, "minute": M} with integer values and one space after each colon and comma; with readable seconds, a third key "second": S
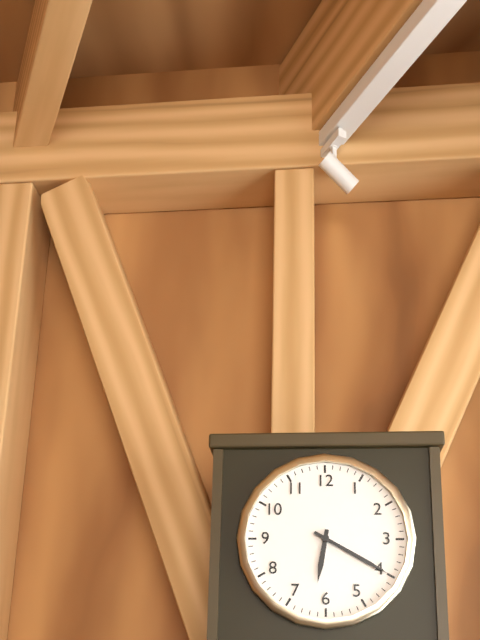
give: {"hour": 6, "minute": 20}
